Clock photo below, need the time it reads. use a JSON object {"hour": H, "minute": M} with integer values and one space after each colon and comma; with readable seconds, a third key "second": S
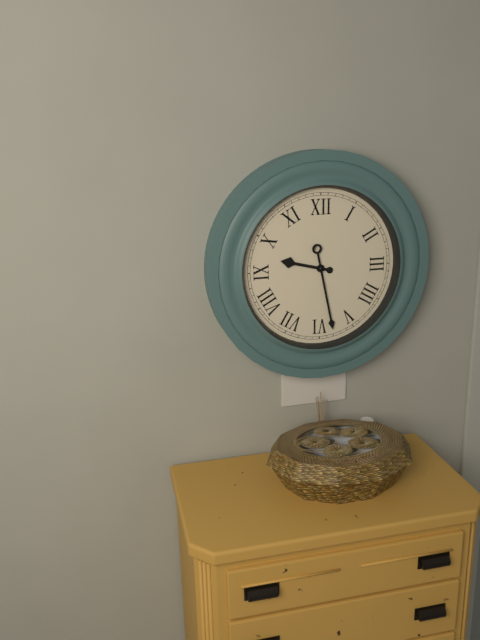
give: {"hour": 9, "minute": 28}
